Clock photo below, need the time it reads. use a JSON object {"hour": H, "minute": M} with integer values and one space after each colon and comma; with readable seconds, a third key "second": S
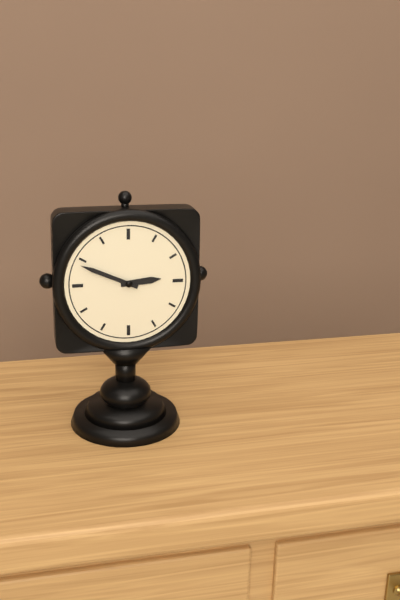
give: {"hour": 2, "minute": 49}
